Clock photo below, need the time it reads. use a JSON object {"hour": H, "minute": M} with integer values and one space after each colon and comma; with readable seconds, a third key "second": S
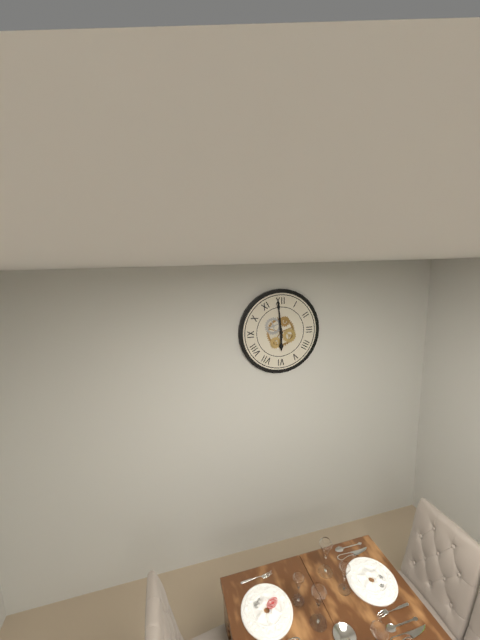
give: {"hour": 5, "minute": 59}
